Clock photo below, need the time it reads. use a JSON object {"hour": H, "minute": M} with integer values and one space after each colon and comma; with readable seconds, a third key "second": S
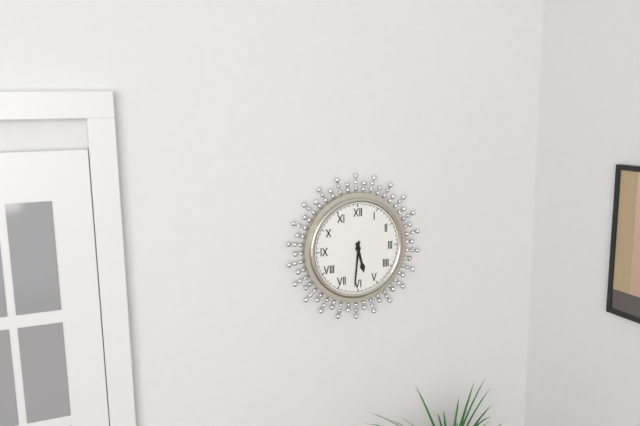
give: {"hour": 5, "minute": 31}
